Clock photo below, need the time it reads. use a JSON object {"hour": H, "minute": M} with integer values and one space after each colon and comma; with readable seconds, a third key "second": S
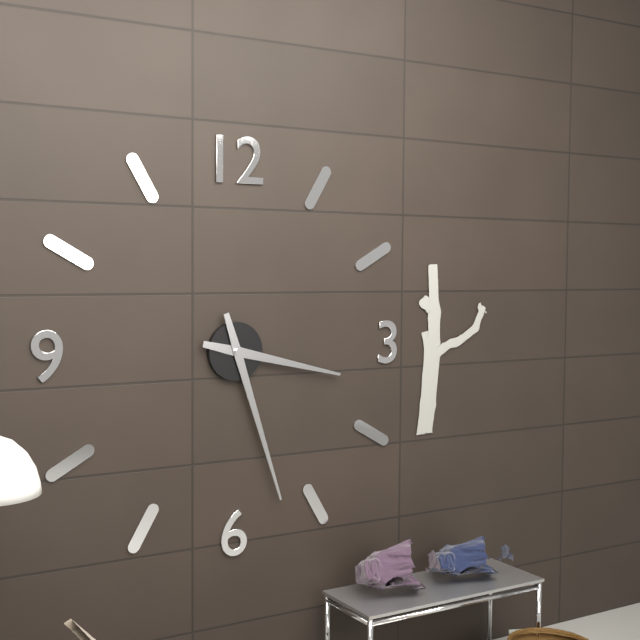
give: {"hour": 3, "minute": 27}
